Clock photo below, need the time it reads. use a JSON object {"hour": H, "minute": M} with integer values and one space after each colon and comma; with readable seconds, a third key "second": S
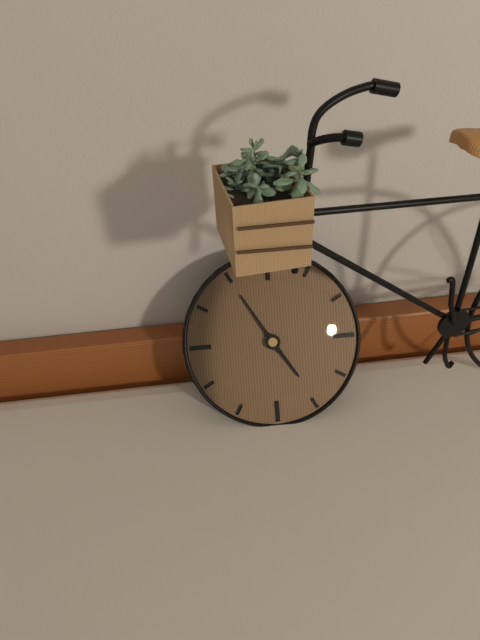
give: {"hour": 4, "minute": 55}
